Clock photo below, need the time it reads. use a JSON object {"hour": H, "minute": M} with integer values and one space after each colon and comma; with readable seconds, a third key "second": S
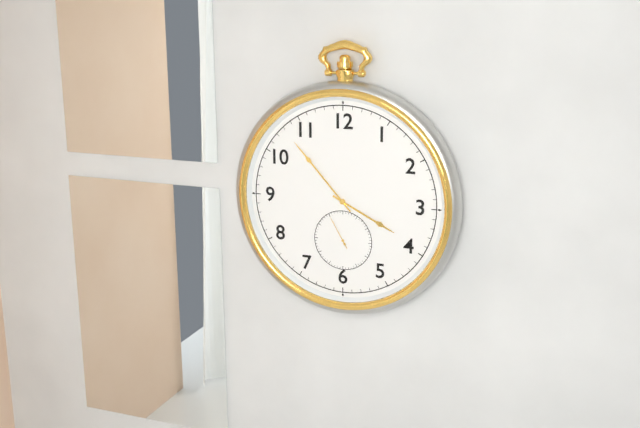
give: {"hour": 3, "minute": 53}
